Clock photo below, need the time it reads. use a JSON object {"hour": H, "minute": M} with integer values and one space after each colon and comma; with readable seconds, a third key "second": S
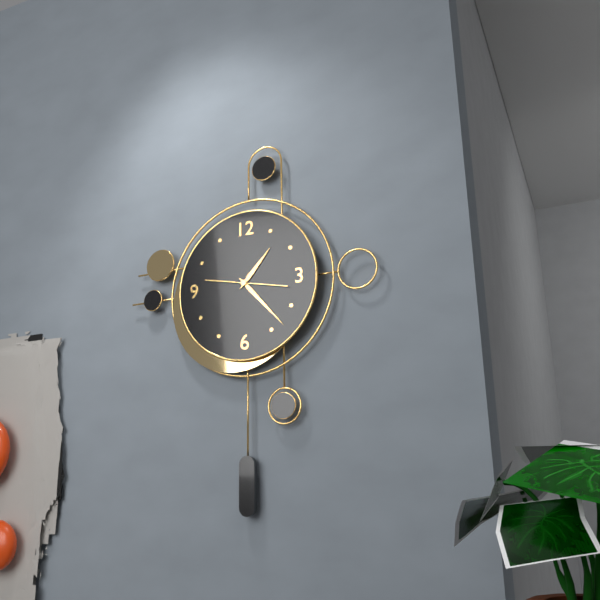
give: {"hour": 1, "minute": 23}
